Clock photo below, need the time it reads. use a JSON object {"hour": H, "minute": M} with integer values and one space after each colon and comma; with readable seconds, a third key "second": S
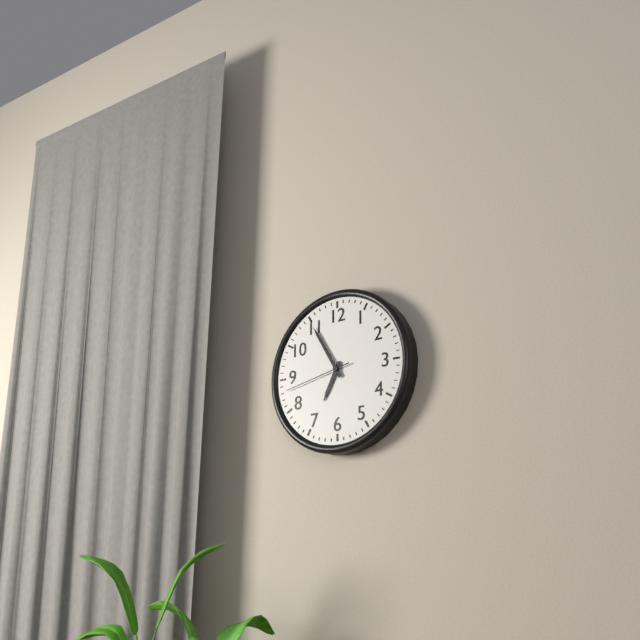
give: {"hour": 6, "minute": 55, "second": 43}
